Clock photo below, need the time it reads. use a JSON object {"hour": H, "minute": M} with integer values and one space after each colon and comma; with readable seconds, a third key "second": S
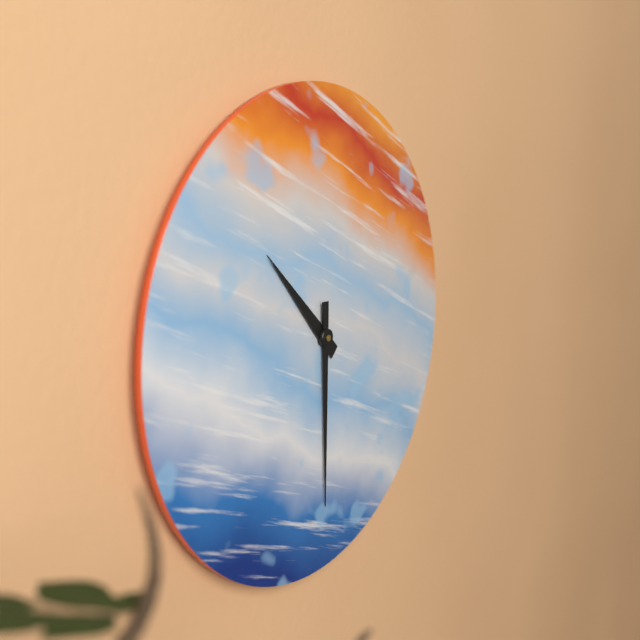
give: {"hour": 10, "minute": 30}
